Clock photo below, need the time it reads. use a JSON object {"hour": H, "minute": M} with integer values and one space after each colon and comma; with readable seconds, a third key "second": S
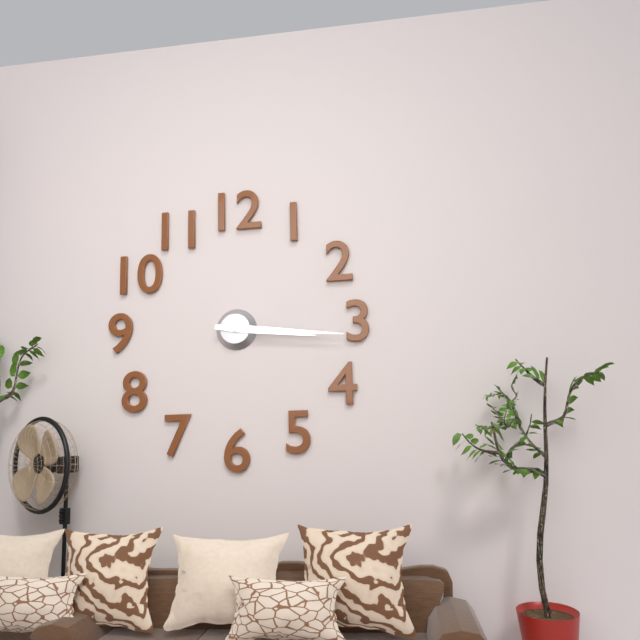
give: {"hour": 3, "minute": 16}
